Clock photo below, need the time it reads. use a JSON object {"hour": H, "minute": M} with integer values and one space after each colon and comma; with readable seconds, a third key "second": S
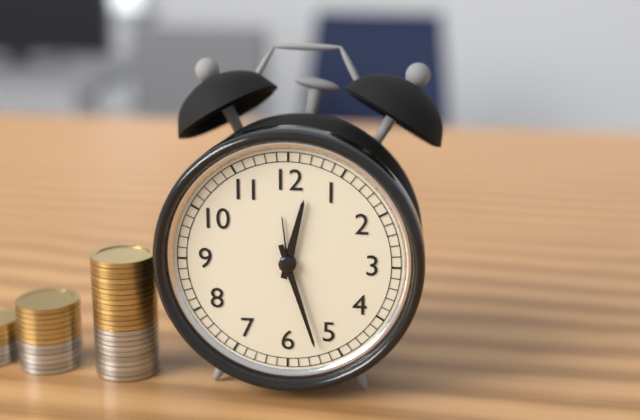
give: {"hour": 12, "minute": 27}
